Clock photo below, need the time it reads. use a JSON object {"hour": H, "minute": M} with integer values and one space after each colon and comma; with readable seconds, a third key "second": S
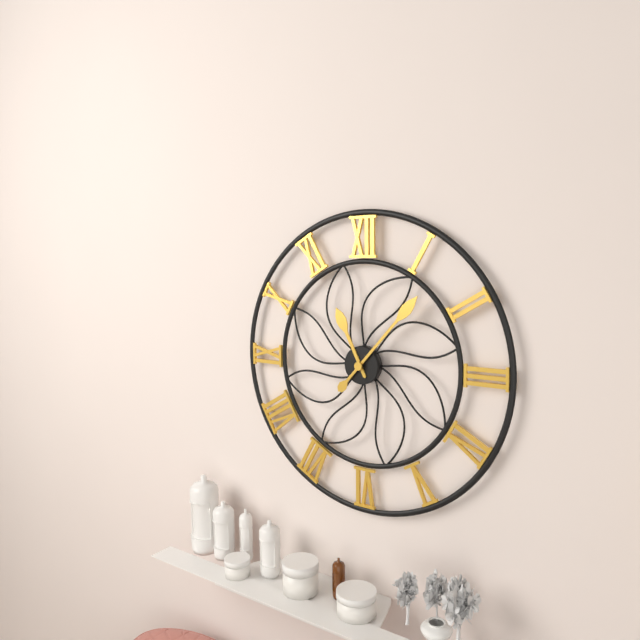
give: {"hour": 11, "minute": 7}
